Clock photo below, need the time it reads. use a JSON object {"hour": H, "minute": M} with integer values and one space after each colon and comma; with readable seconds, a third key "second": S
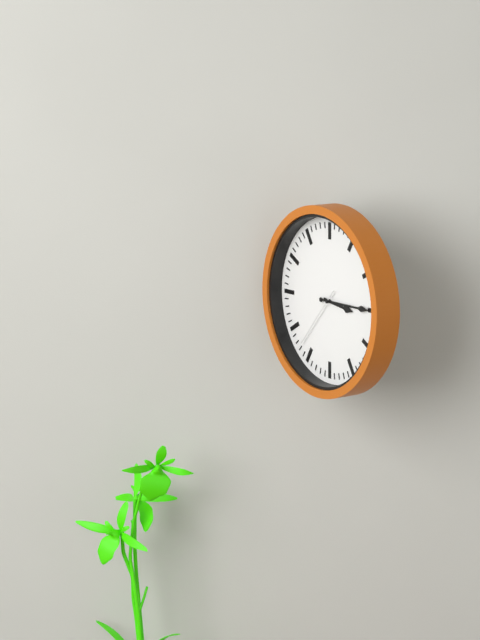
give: {"hour": 3, "minute": 15, "second": 37}
